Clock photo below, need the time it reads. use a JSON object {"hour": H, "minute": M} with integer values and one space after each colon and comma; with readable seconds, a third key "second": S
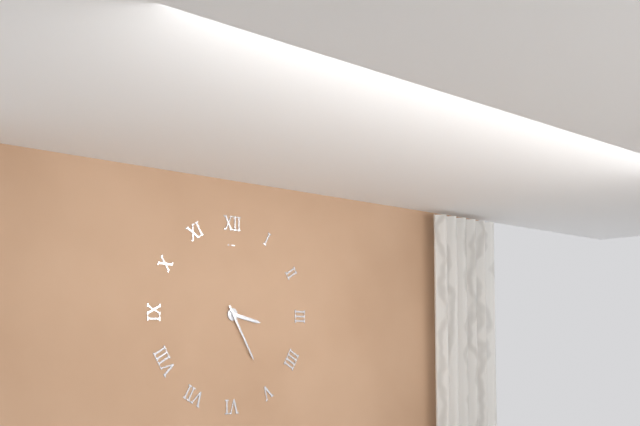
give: {"hour": 3, "minute": 25}
